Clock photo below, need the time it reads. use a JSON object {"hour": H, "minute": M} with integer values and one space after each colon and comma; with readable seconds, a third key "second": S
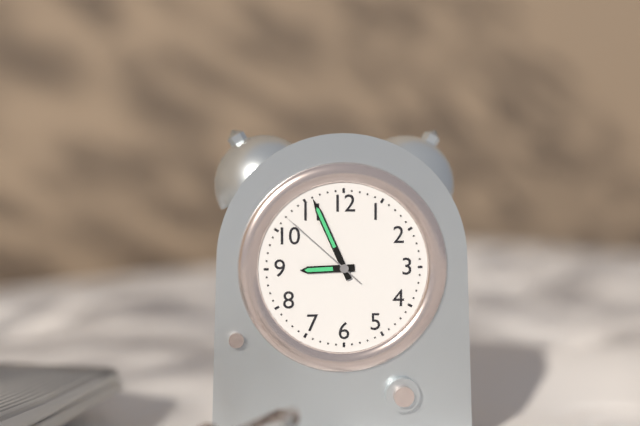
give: {"hour": 8, "minute": 56, "second": 52}
